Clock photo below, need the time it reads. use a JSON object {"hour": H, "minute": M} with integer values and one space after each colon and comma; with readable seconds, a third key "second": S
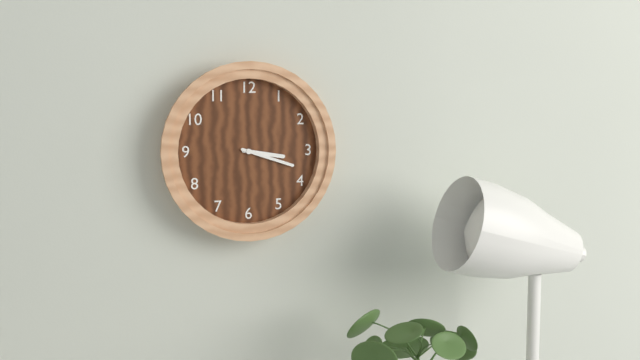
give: {"hour": 3, "minute": 18}
